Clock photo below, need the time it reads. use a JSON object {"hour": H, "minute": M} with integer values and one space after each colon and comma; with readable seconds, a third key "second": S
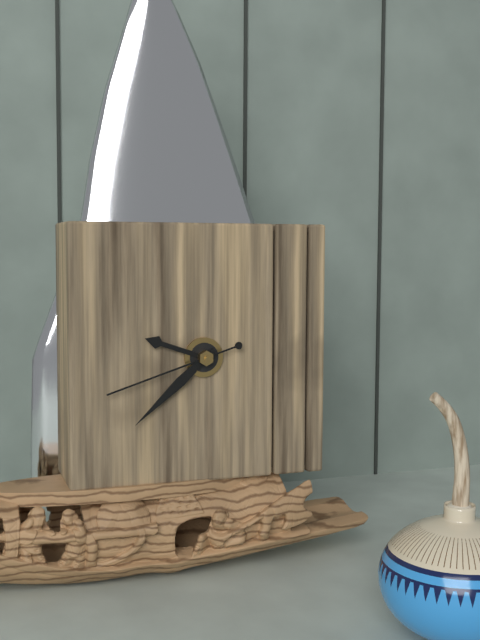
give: {"hour": 9, "minute": 38, "second": 42}
